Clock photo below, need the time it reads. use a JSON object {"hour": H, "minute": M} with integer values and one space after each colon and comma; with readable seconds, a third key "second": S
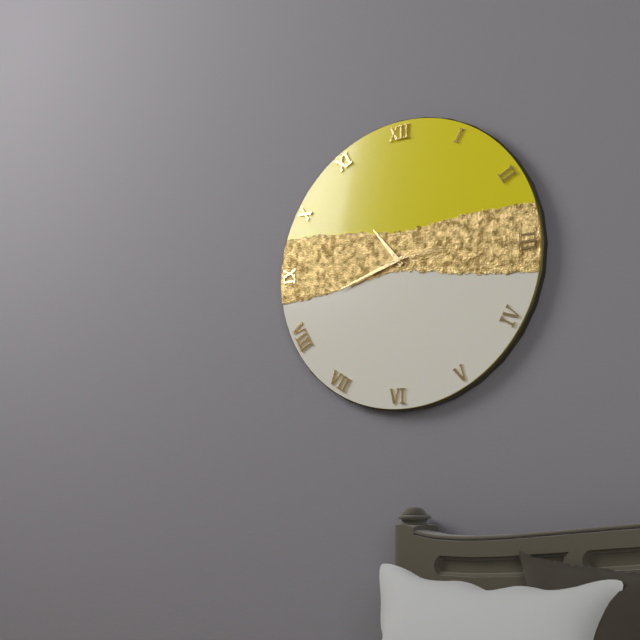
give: {"hour": 10, "minute": 42, "second": 14}
